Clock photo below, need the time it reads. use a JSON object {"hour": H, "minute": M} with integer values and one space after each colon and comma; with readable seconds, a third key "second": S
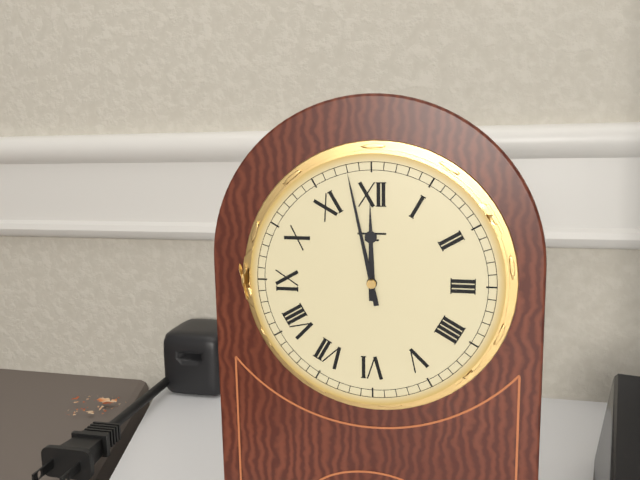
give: {"hour": 11, "minute": 58}
